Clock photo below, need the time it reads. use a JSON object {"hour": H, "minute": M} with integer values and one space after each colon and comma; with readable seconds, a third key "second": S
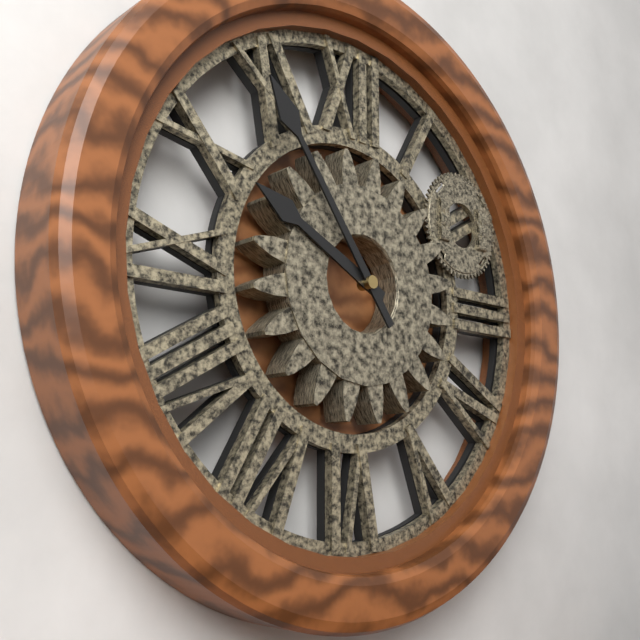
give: {"hour": 9, "minute": 54}
